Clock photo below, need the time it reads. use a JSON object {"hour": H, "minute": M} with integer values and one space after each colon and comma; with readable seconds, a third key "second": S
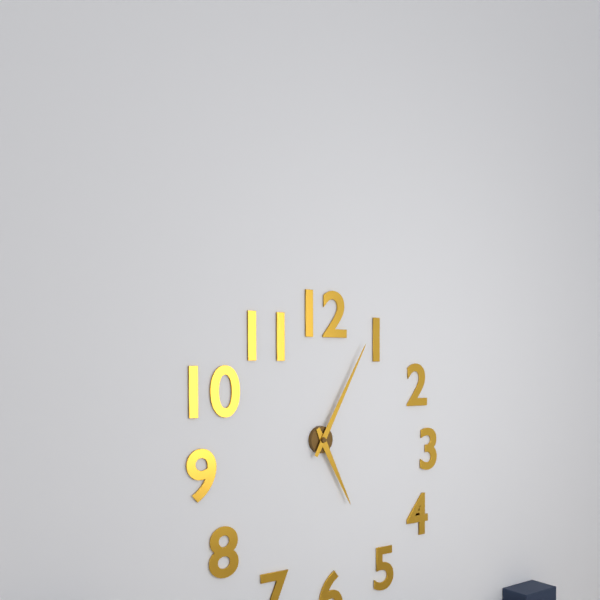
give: {"hour": 5, "minute": 5}
